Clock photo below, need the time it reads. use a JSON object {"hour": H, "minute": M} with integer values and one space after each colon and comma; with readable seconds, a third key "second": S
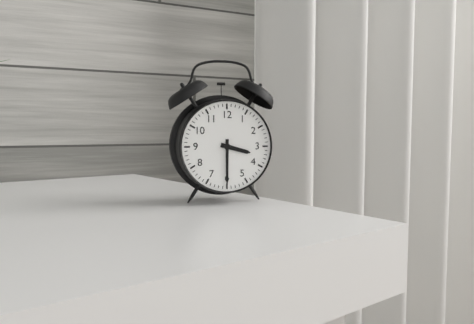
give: {"hour": 3, "minute": 30}
